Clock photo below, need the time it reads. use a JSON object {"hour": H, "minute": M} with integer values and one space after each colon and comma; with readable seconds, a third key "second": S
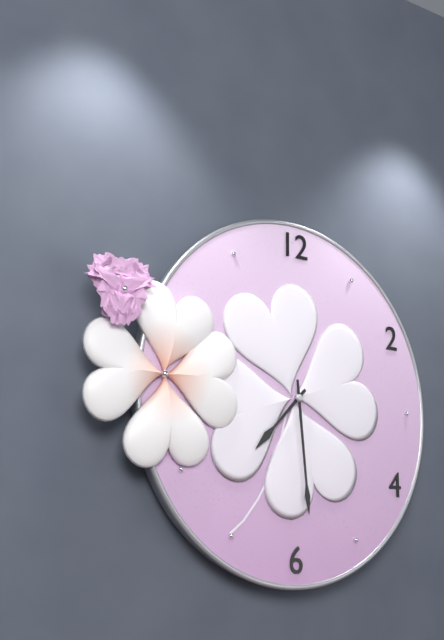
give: {"hour": 7, "minute": 29}
